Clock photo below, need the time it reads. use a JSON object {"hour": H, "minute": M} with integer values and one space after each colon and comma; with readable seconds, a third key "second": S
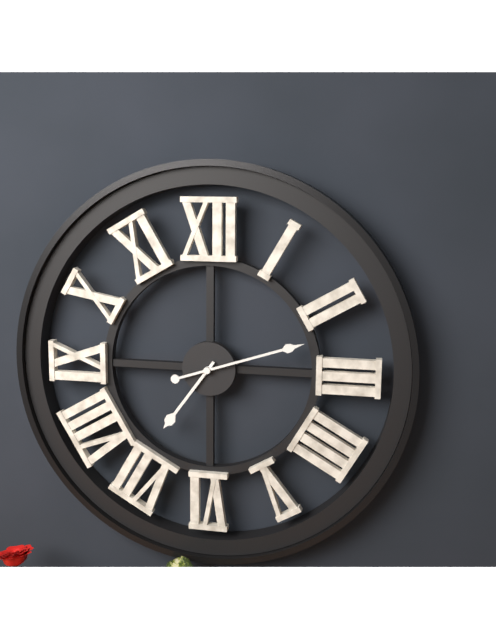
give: {"hour": 7, "minute": 12}
